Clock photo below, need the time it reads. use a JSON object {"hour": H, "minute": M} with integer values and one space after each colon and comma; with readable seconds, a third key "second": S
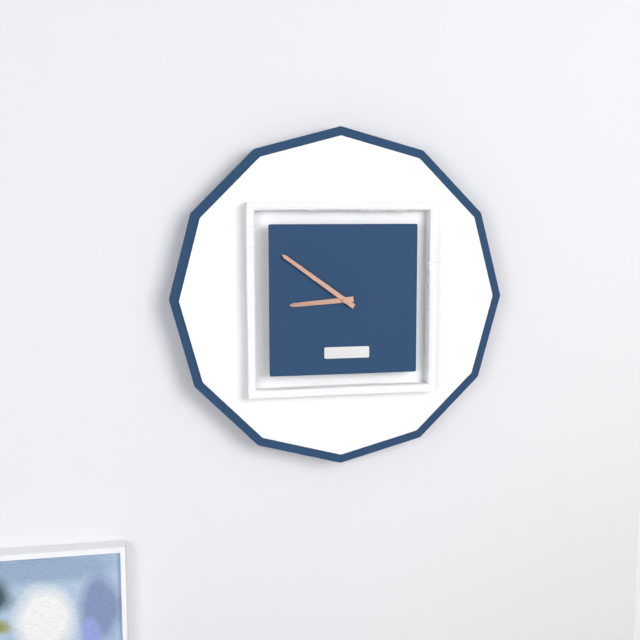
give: {"hour": 8, "minute": 51}
